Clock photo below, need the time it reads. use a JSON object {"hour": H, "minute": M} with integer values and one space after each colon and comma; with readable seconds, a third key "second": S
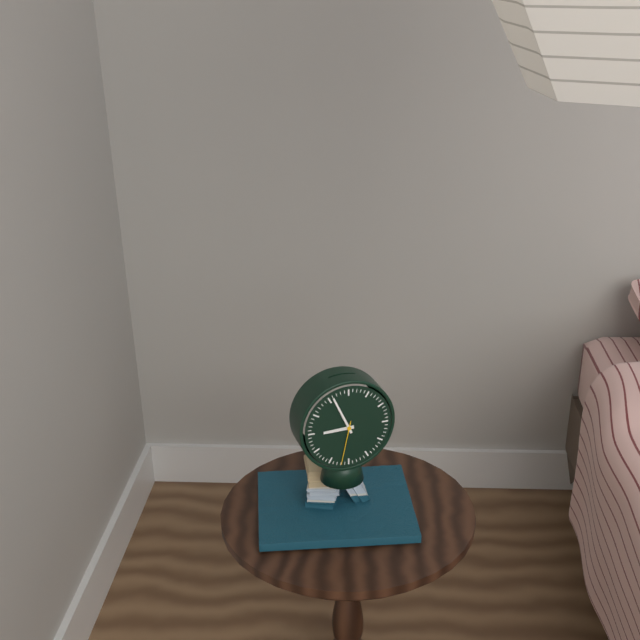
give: {"hour": 8, "minute": 56}
